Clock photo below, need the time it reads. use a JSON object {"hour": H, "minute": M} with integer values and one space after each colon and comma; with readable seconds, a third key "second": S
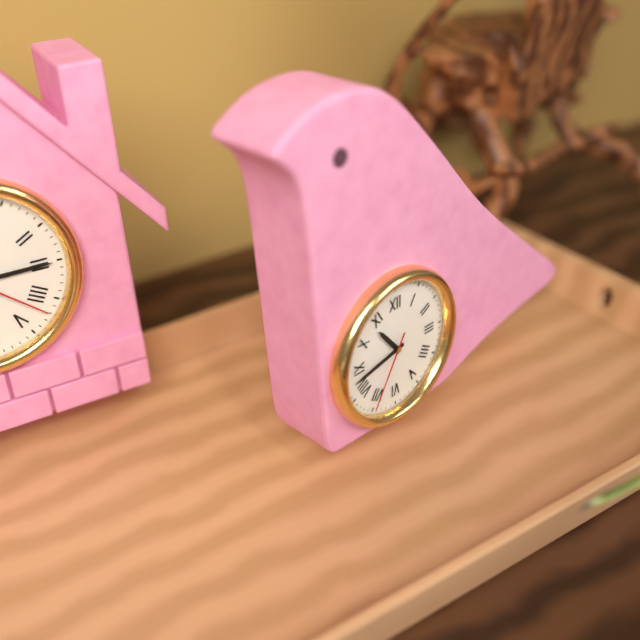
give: {"hour": 10, "minute": 43, "second": 35}
